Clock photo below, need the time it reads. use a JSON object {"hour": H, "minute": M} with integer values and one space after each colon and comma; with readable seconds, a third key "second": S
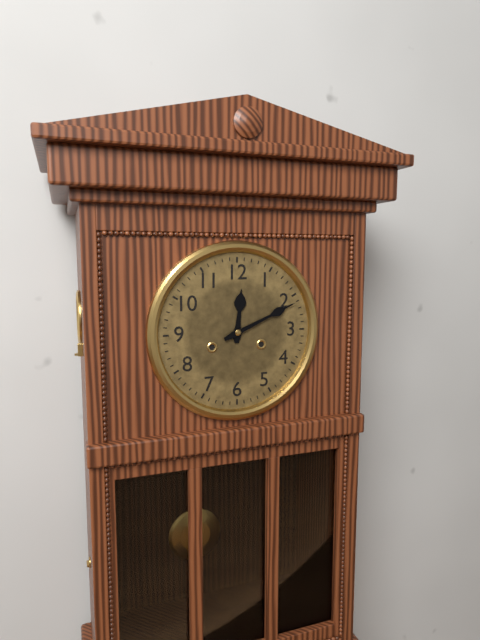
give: {"hour": 12, "minute": 11}
